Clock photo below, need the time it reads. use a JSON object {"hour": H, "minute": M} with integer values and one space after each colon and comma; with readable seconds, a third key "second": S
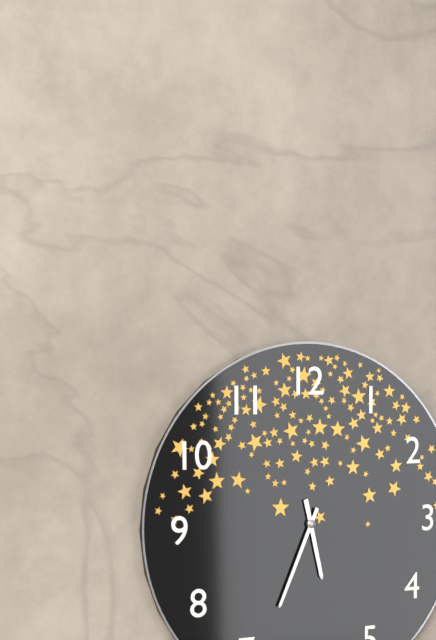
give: {"hour": 5, "minute": 34}
